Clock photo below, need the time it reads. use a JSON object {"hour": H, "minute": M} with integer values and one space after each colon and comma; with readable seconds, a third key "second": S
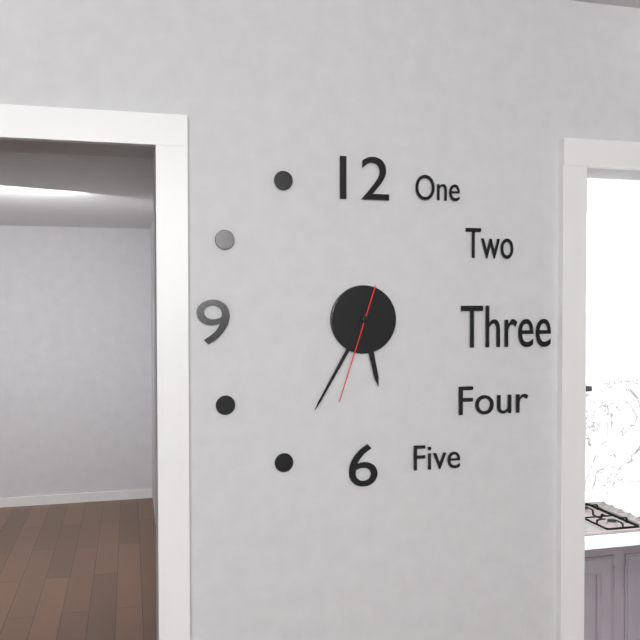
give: {"hour": 5, "minute": 35, "second": 33}
